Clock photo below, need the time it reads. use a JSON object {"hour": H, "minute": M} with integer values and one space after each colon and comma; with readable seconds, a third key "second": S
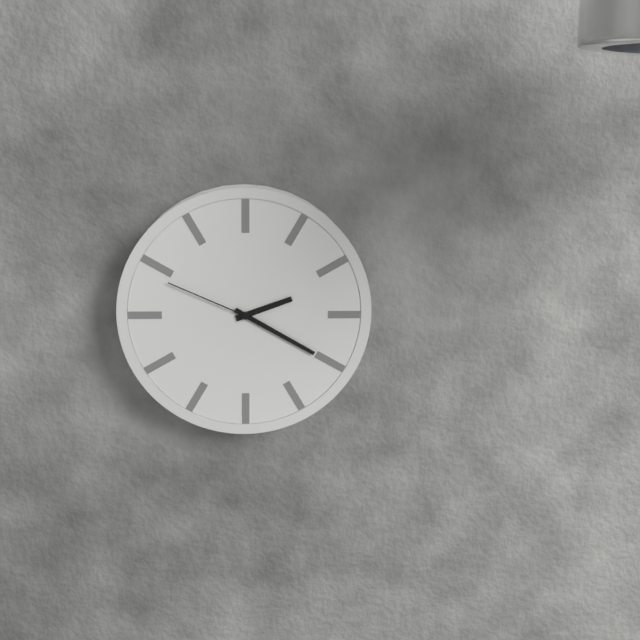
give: {"hour": 2, "minute": 20, "second": 49}
